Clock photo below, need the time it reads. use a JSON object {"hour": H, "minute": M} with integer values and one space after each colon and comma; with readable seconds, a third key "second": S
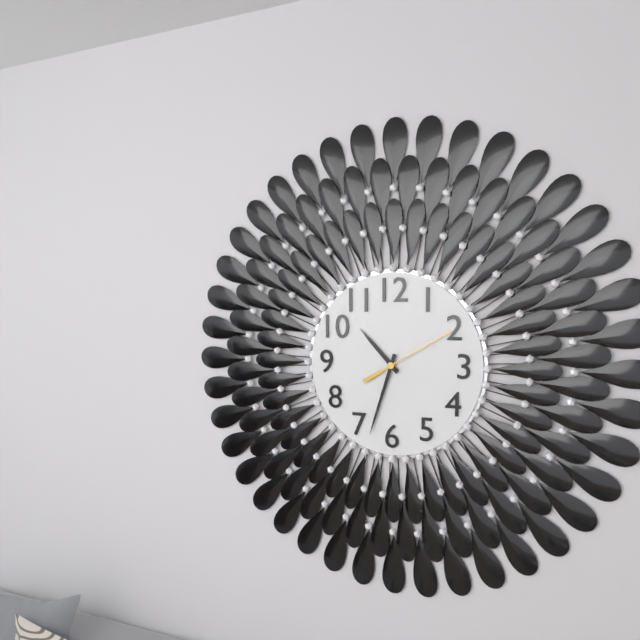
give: {"hour": 10, "minute": 33, "second": 10}
